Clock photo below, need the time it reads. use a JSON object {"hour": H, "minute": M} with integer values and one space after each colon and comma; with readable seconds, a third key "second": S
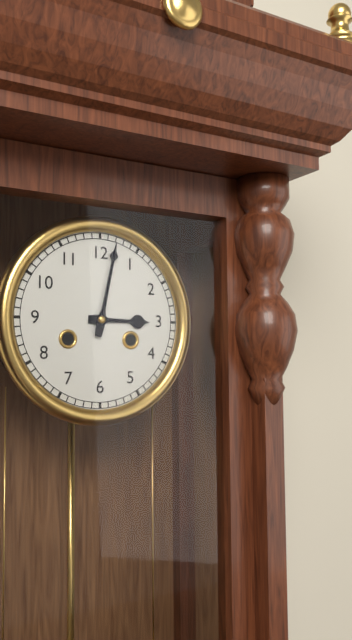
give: {"hour": 3, "minute": 2}
